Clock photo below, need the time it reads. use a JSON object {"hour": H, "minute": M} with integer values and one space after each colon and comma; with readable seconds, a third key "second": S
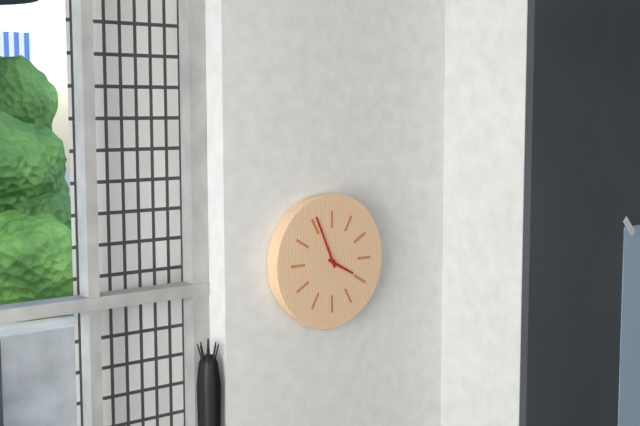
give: {"hour": 3, "minute": 56}
